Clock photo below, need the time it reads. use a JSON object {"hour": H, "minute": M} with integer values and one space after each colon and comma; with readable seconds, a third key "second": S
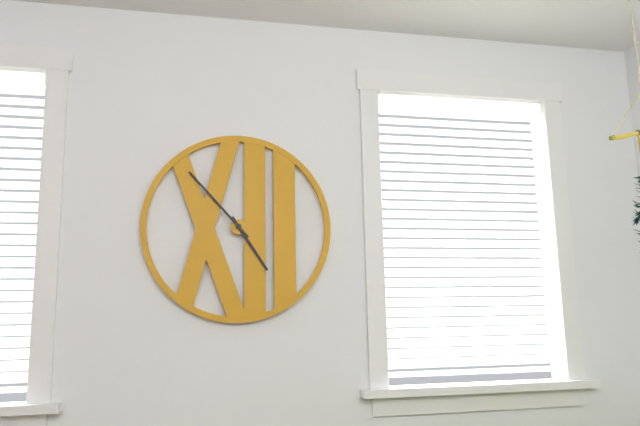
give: {"hour": 4, "minute": 53}
